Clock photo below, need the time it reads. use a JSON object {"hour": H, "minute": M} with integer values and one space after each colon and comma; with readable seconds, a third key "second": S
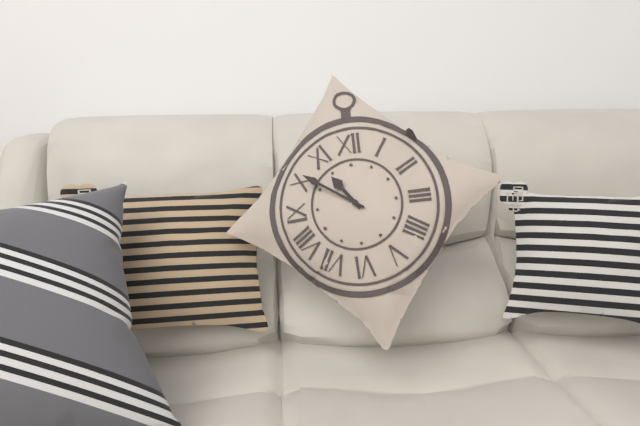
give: {"hour": 10, "minute": 51}
